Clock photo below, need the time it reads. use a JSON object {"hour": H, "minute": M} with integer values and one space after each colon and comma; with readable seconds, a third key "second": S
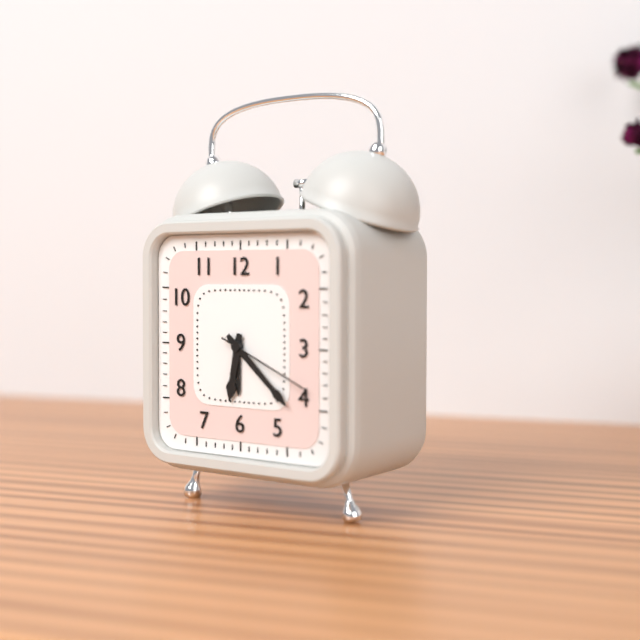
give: {"hour": 6, "minute": 22, "second": 19}
